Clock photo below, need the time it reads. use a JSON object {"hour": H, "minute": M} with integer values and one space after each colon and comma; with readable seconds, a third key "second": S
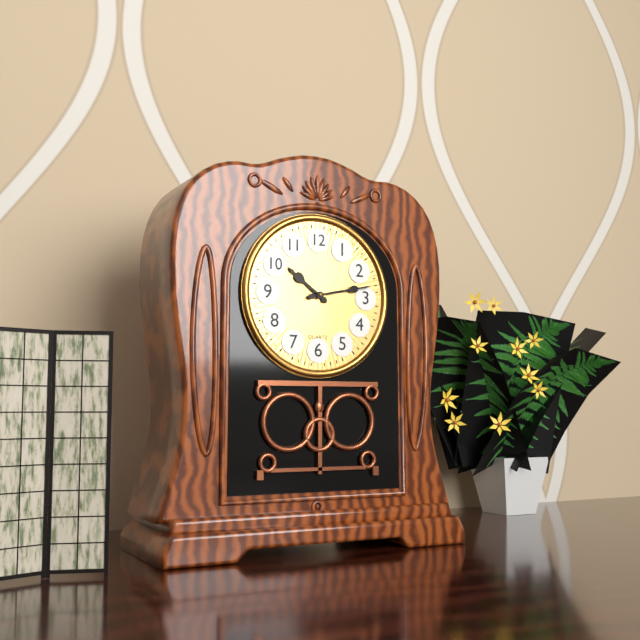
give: {"hour": 10, "minute": 13}
